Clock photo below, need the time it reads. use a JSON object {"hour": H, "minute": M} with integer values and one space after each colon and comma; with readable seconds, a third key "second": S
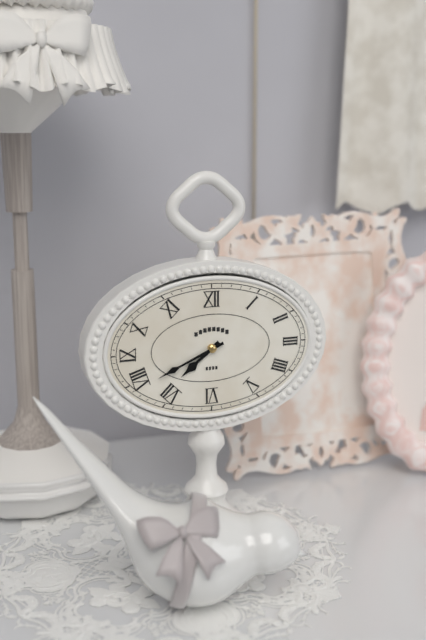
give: {"hour": 7, "minute": 41}
